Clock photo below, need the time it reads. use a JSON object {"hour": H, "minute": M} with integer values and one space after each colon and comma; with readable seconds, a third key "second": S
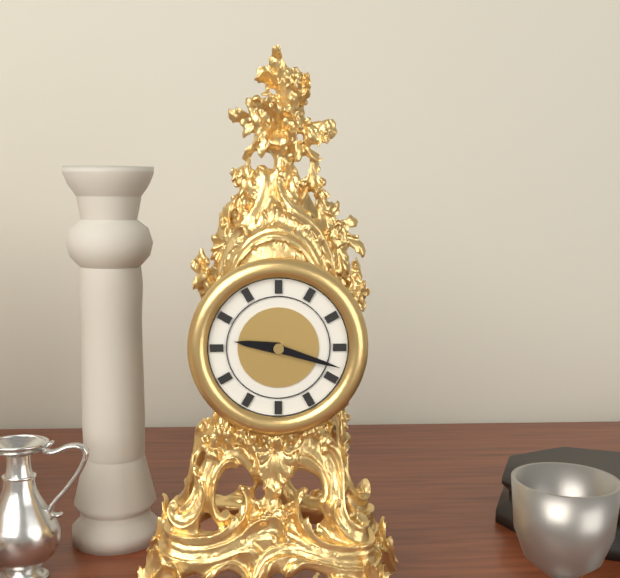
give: {"hour": 9, "minute": 18}
